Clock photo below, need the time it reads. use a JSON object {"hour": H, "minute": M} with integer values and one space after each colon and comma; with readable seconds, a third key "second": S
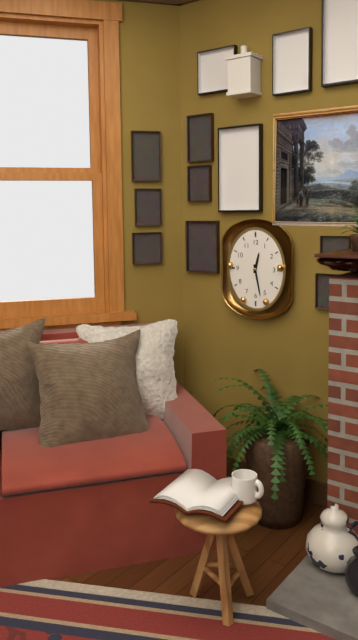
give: {"hour": 12, "minute": 28}
